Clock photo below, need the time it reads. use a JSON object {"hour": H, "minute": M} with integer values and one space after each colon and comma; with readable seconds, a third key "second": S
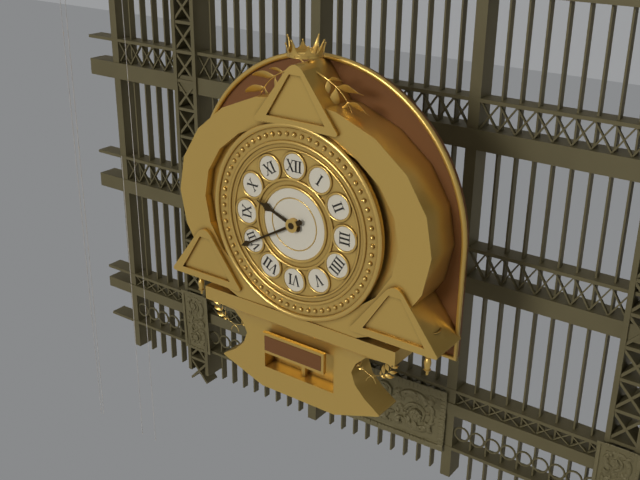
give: {"hour": 9, "minute": 40}
